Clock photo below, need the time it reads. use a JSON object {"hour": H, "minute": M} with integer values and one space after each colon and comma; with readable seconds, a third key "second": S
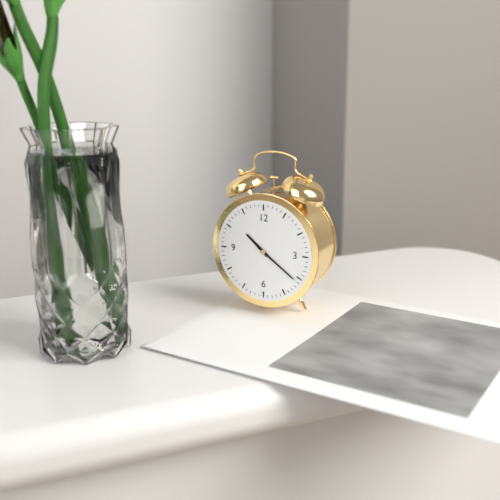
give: {"hour": 10, "minute": 21}
